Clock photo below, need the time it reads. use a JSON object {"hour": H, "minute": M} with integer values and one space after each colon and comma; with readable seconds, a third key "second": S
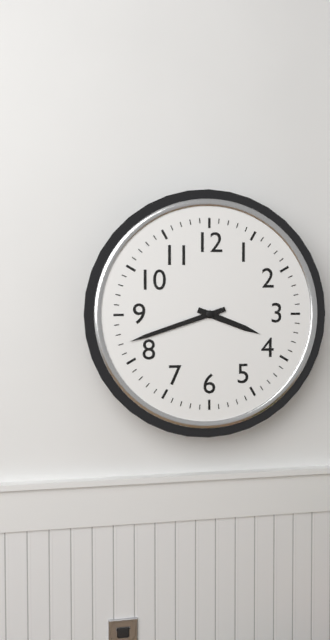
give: {"hour": 3, "minute": 42}
